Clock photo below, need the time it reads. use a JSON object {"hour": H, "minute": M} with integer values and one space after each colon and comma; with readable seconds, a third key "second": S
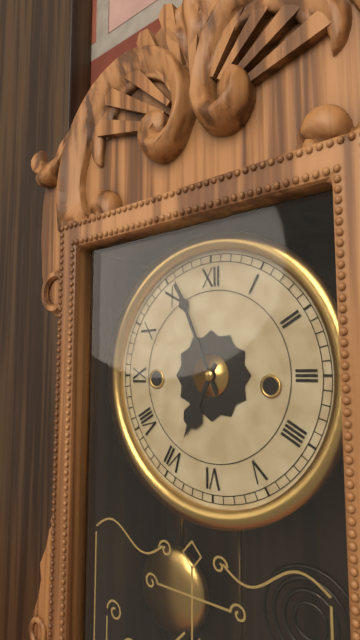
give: {"hour": 6, "minute": 56}
